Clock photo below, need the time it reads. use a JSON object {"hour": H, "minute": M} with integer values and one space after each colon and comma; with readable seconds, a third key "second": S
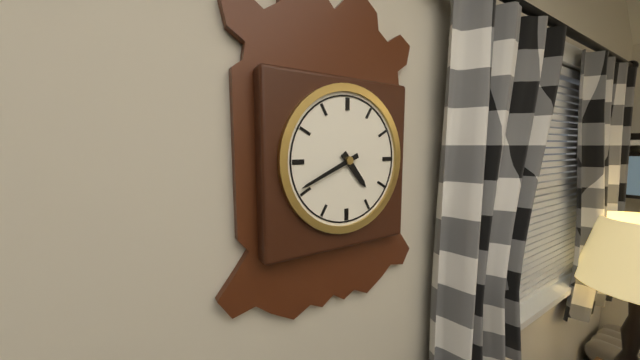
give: {"hour": 4, "minute": 41}
